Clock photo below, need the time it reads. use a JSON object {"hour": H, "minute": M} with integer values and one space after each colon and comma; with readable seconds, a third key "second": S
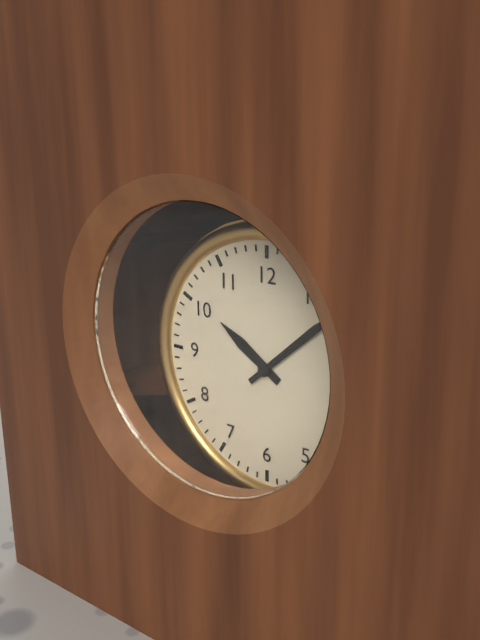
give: {"hour": 10, "minute": 8}
